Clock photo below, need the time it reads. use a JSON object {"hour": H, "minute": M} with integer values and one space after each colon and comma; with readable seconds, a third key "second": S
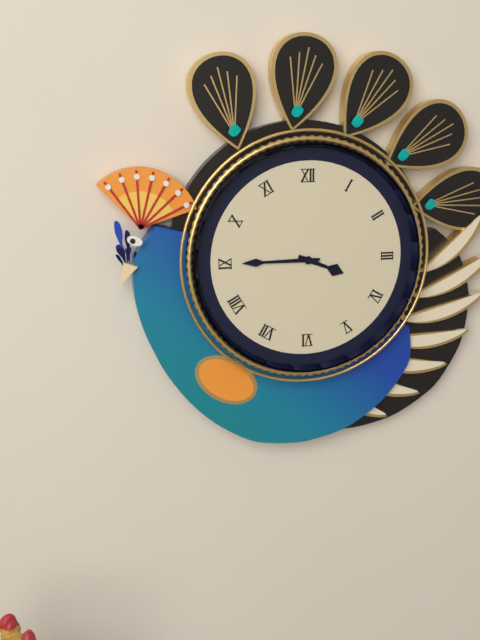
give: {"hour": 3, "minute": 45}
